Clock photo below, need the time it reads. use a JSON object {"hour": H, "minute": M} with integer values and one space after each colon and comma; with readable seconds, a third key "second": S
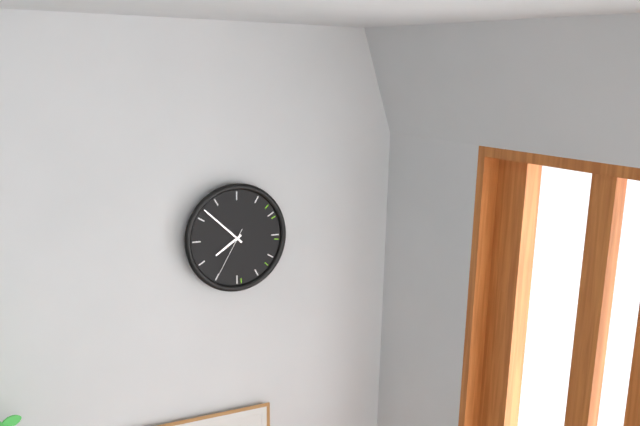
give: {"hour": 7, "minute": 52, "second": 35}
